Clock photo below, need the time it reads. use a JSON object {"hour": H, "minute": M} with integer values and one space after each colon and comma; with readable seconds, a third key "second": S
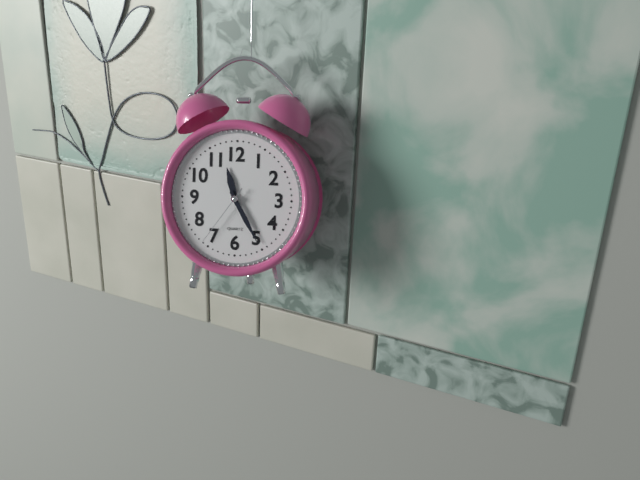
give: {"hour": 11, "minute": 25, "second": 36}
